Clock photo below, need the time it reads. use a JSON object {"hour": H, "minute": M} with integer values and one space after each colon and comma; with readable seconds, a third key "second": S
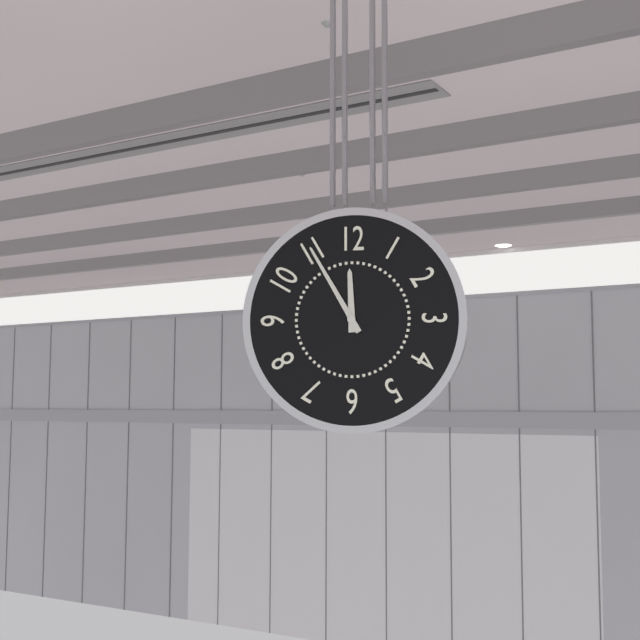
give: {"hour": 11, "minute": 55}
